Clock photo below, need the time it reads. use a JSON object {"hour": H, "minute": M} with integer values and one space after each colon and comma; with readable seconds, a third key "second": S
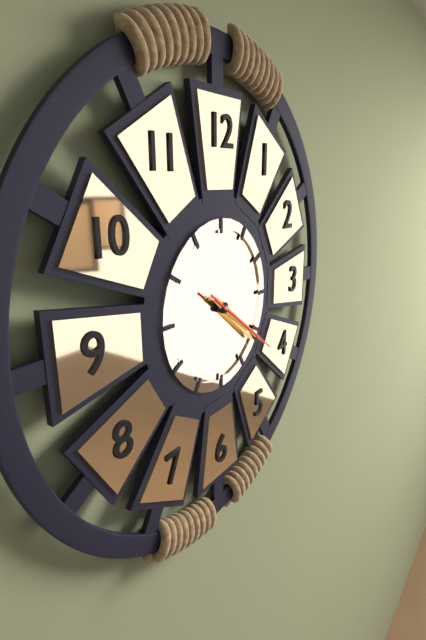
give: {"hour": 4, "minute": 21, "second": 21}
